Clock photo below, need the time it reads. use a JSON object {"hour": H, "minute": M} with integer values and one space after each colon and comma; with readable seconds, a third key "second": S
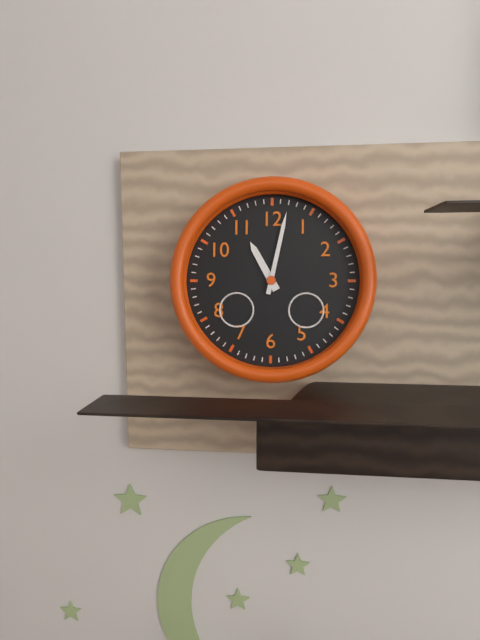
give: {"hour": 11, "minute": 2}
